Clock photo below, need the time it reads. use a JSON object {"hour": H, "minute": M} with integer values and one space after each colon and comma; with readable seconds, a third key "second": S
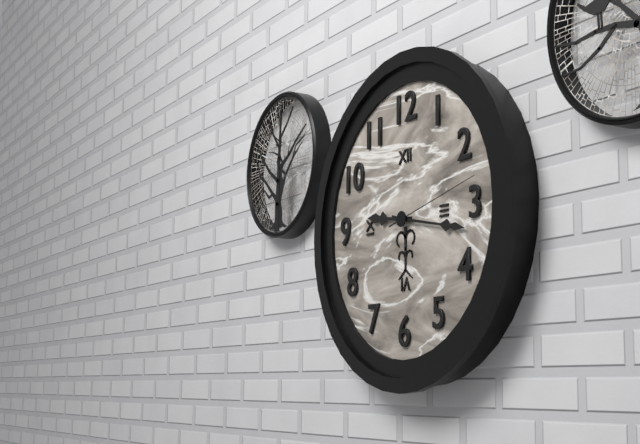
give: {"hour": 9, "minute": 17, "second": 13}
